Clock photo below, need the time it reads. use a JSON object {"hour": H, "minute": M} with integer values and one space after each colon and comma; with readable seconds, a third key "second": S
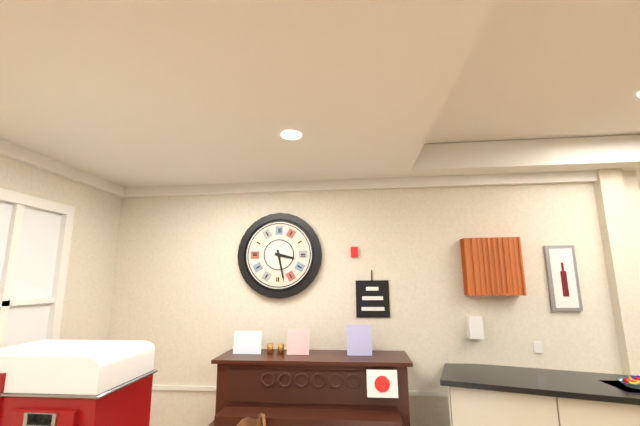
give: {"hour": 3, "minute": 28}
